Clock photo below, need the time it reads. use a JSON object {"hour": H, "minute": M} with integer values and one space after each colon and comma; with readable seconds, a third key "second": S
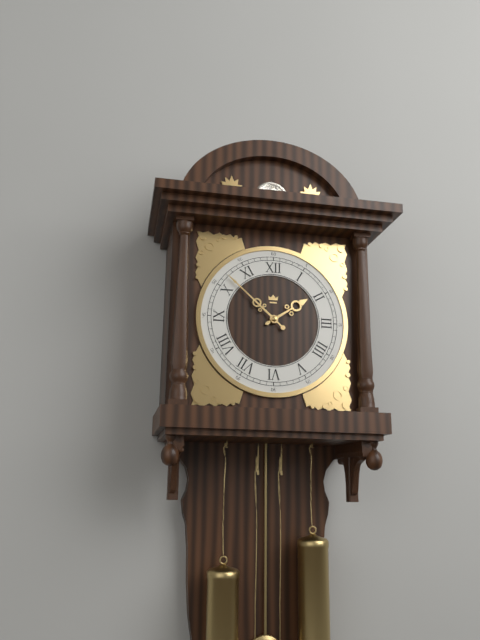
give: {"hour": 1, "minute": 52}
